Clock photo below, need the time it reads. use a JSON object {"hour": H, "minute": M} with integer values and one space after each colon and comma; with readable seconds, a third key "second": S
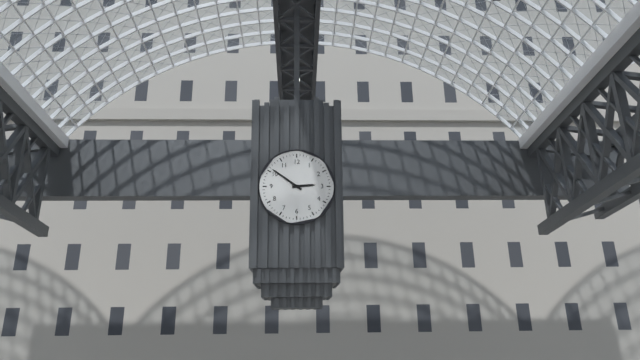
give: {"hour": 2, "minute": 51}
